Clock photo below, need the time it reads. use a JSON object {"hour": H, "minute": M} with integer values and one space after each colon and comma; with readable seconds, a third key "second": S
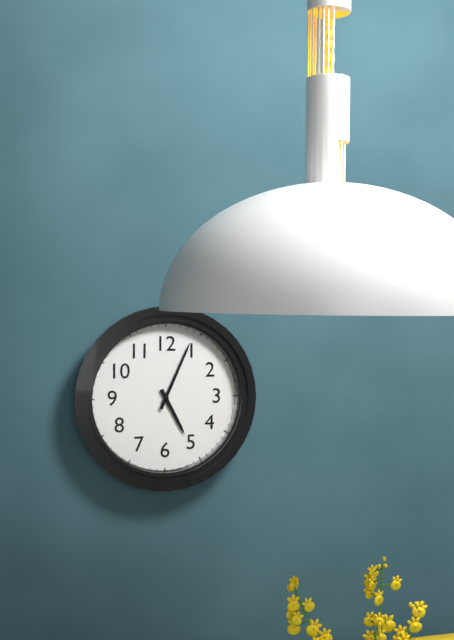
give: {"hour": 5, "minute": 4}
